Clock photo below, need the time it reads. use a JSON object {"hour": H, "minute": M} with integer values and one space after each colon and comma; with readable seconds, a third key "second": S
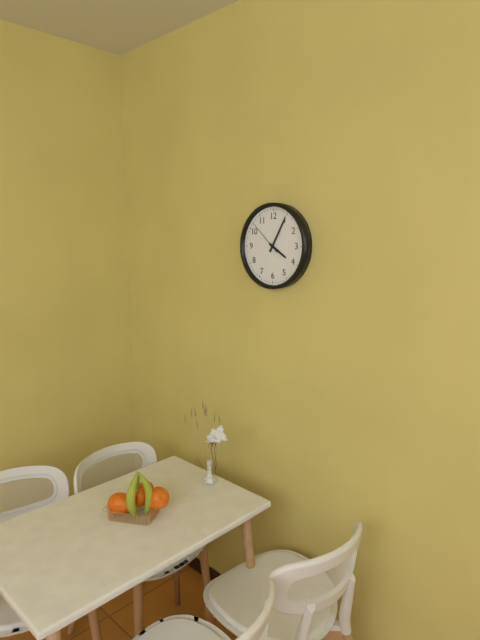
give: {"hour": 4, "minute": 5}
